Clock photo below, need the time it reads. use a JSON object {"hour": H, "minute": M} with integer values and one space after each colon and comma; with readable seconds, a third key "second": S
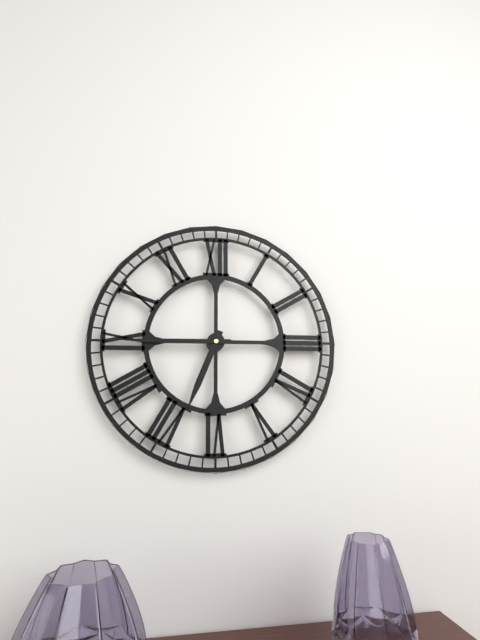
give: {"hour": 6, "minute": 45}
